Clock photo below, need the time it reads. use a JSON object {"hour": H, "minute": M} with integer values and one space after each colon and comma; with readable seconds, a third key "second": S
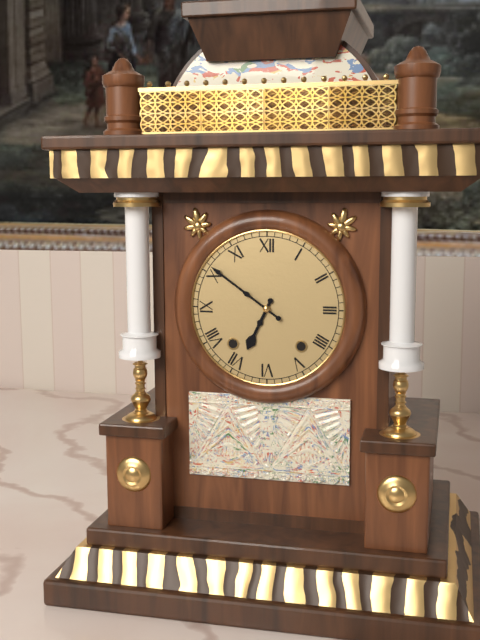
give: {"hour": 6, "minute": 51}
